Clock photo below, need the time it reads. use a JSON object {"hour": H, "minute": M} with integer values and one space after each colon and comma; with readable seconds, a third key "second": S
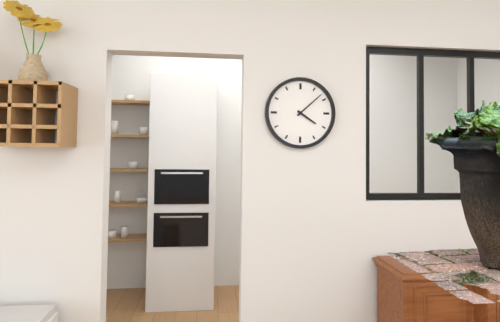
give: {"hour": 4, "minute": 8}
